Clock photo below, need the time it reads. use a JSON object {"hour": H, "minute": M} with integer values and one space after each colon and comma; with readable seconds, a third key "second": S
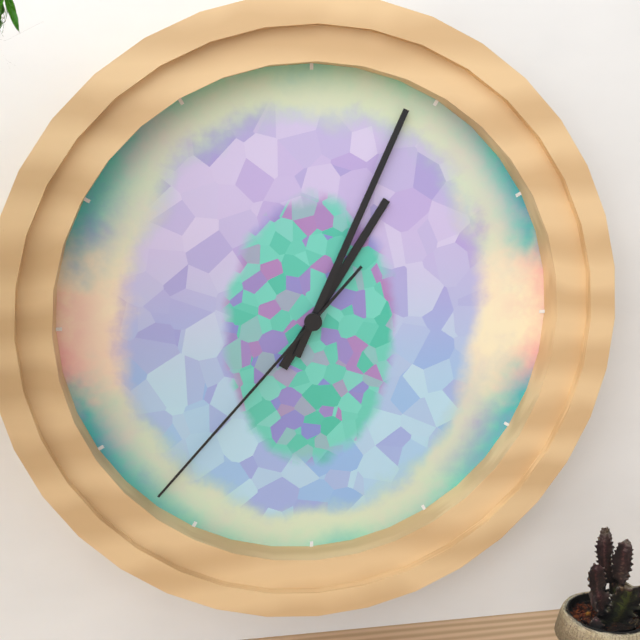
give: {"hour": 1, "minute": 4, "second": 37}
